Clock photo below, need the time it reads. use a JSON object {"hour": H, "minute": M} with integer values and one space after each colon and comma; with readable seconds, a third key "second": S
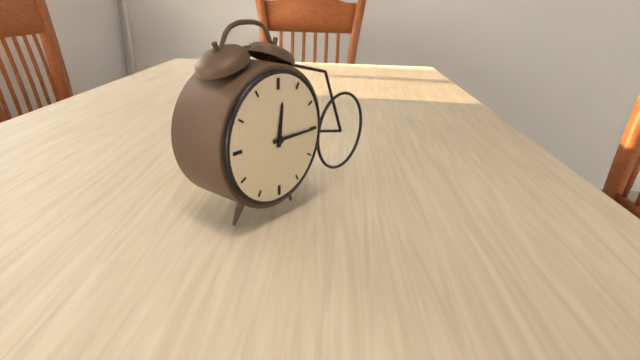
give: {"hour": 12, "minute": 15}
